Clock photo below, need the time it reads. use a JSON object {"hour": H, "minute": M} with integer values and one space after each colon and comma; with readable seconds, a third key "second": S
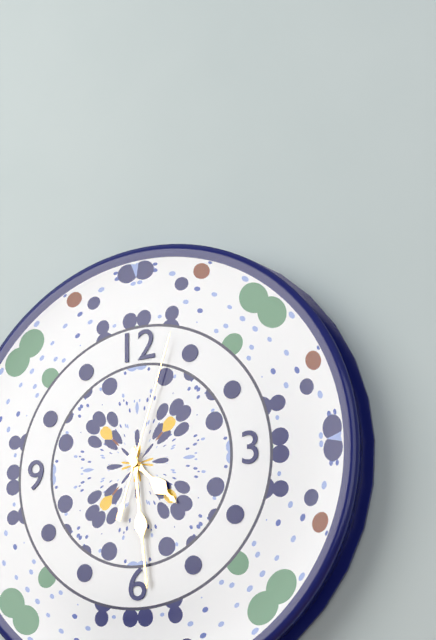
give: {"hour": 4, "minute": 29, "second": 3}
